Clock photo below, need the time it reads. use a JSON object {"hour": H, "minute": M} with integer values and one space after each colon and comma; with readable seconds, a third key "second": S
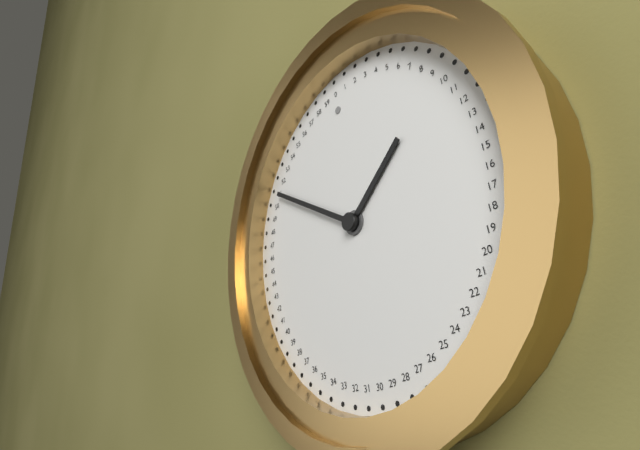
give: {"hour": 1, "minute": 51}
